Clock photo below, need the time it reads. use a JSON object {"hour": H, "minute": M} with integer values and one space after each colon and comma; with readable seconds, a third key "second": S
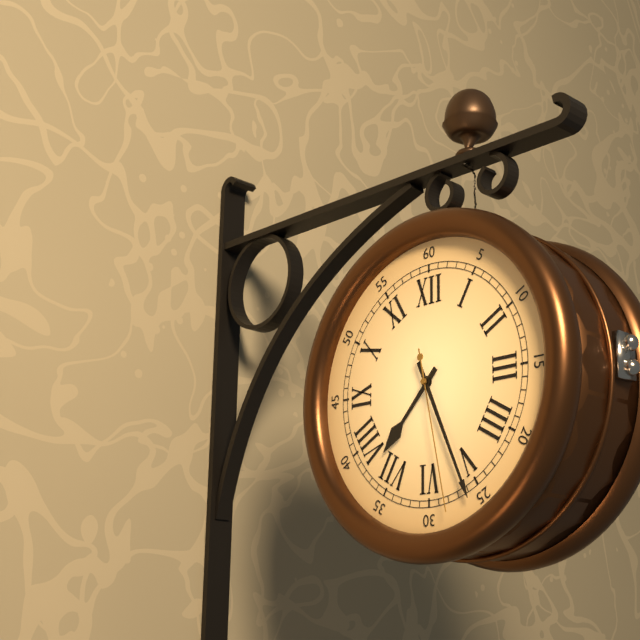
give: {"hour": 7, "minute": 26, "second": 28}
